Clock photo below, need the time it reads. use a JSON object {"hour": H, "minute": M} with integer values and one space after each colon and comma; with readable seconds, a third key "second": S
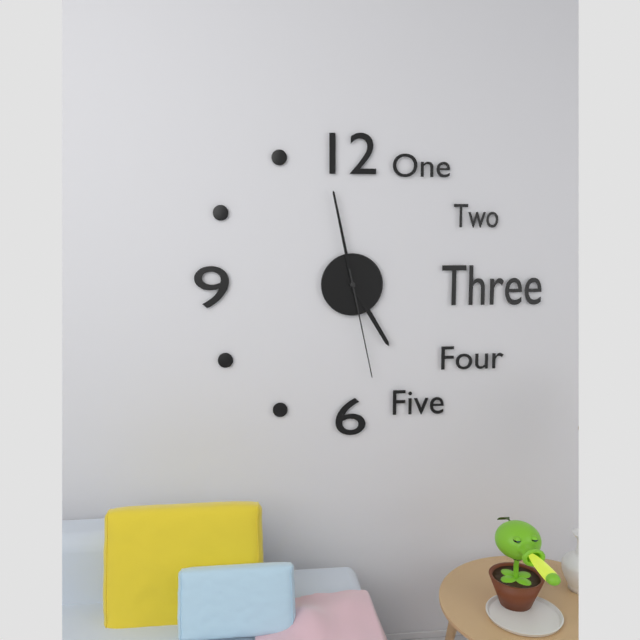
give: {"hour": 4, "minute": 58, "second": 28}
